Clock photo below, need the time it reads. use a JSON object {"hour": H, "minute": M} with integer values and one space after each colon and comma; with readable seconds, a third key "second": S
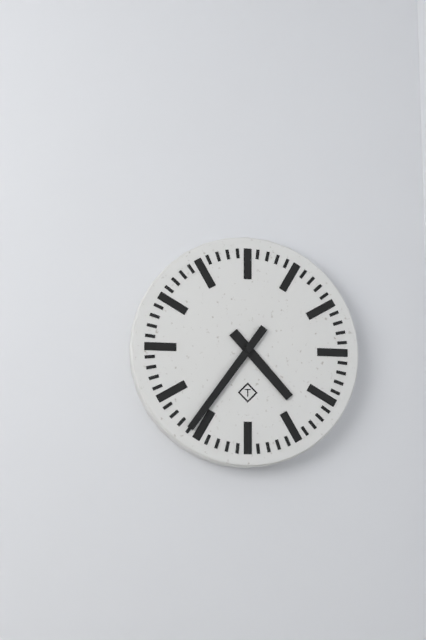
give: {"hour": 4, "minute": 36}
